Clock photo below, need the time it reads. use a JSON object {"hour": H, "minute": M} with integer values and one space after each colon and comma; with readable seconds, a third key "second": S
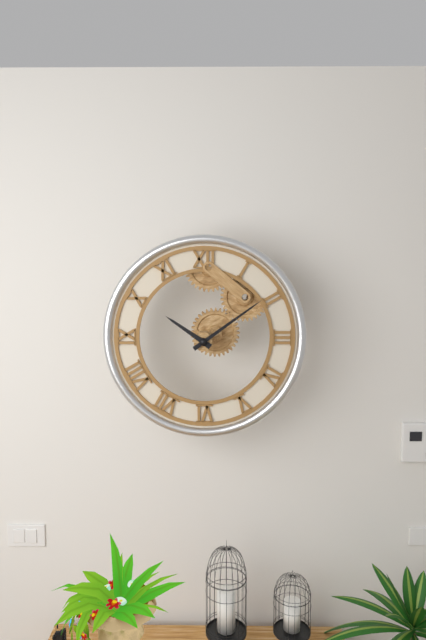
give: {"hour": 10, "minute": 9}
